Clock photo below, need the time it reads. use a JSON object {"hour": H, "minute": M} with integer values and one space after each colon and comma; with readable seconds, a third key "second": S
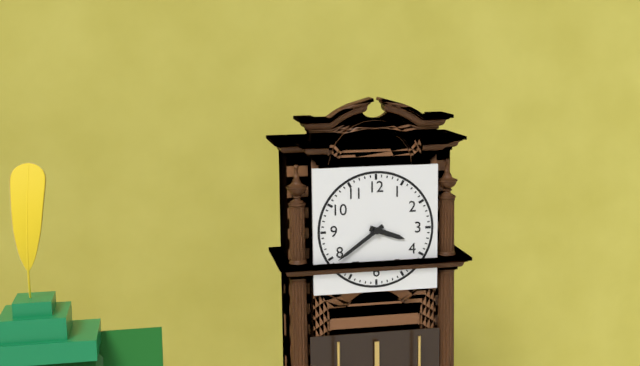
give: {"hour": 3, "minute": 39}
